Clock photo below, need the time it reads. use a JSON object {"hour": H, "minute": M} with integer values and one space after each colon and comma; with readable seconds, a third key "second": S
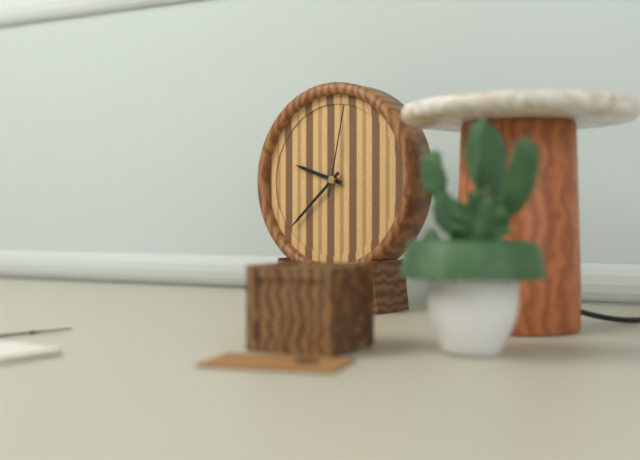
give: {"hour": 9, "minute": 38, "second": 2}
